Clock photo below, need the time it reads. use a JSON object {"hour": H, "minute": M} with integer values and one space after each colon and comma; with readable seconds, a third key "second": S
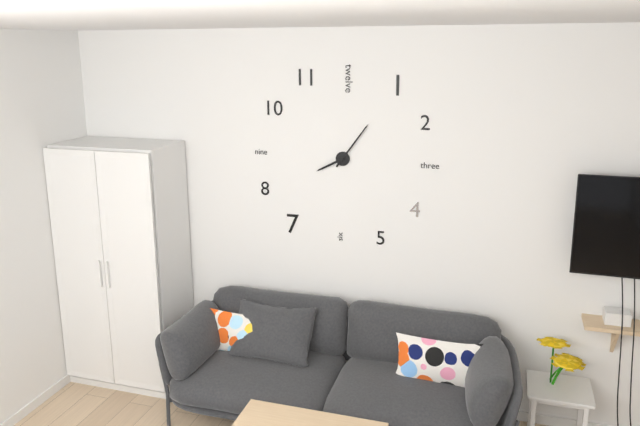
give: {"hour": 8, "minute": 6}
